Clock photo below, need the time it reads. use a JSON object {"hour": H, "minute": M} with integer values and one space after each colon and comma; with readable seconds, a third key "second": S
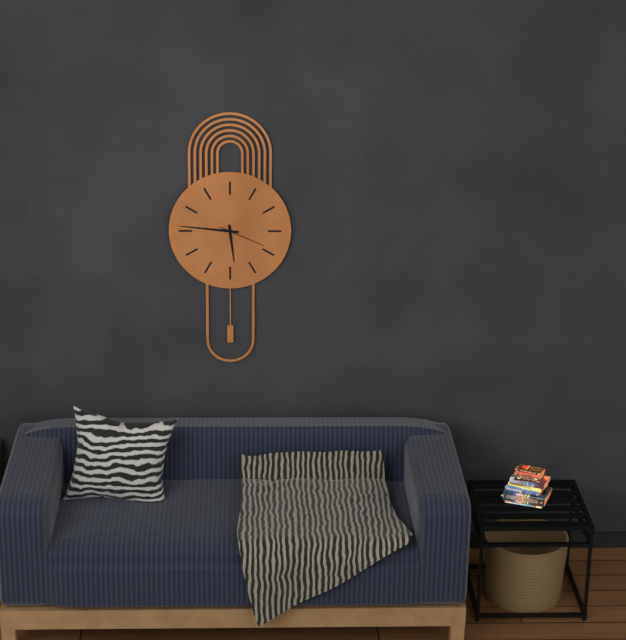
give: {"hour": 5, "minute": 46}
